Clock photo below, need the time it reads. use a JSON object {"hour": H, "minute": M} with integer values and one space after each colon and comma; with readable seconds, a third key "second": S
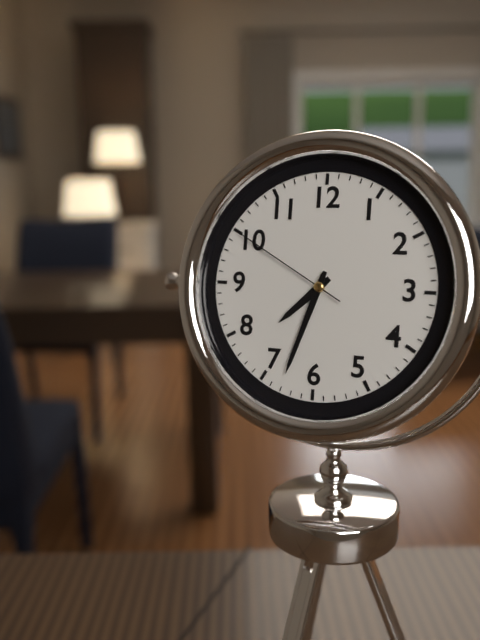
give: {"hour": 7, "minute": 33, "second": 50}
